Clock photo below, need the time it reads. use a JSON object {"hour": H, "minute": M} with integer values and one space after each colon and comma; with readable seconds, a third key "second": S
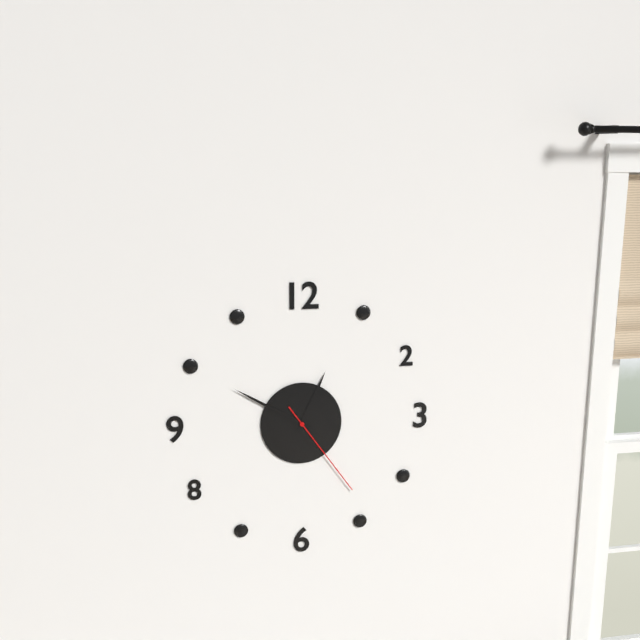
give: {"hour": 12, "minute": 50, "second": 24}
